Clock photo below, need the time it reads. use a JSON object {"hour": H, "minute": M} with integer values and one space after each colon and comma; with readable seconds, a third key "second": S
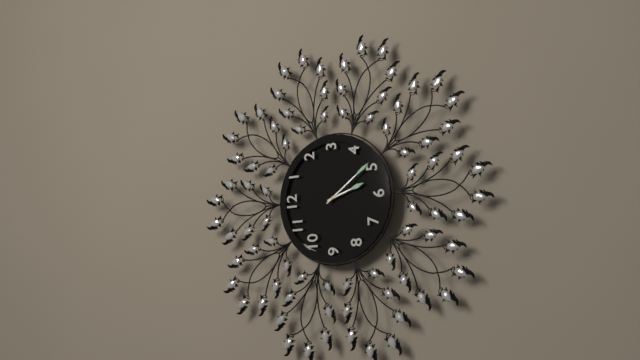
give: {"hour": 5, "minute": 24}
